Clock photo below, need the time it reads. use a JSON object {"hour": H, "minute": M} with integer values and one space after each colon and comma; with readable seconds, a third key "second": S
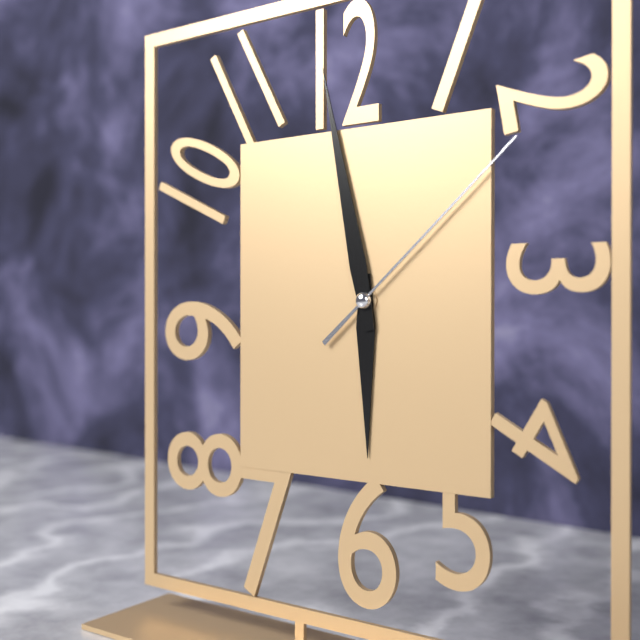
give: {"hour": 5, "minute": 58, "second": 8}
